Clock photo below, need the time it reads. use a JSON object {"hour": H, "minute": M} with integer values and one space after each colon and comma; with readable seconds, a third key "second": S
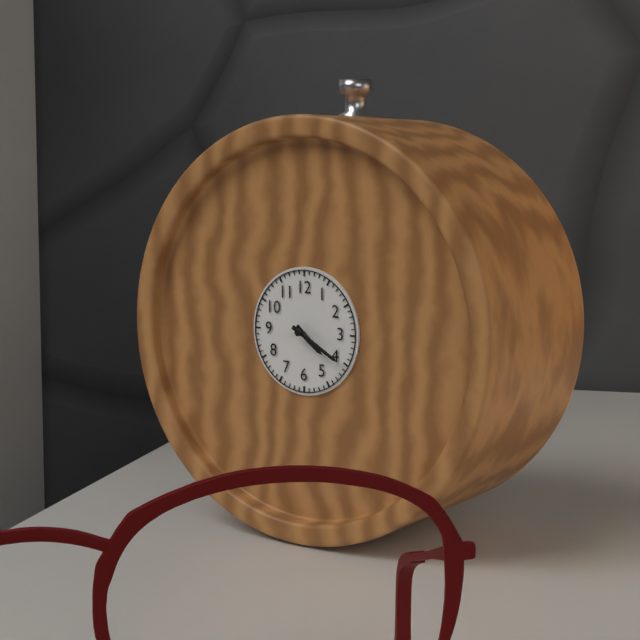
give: {"hour": 4, "minute": 20}
